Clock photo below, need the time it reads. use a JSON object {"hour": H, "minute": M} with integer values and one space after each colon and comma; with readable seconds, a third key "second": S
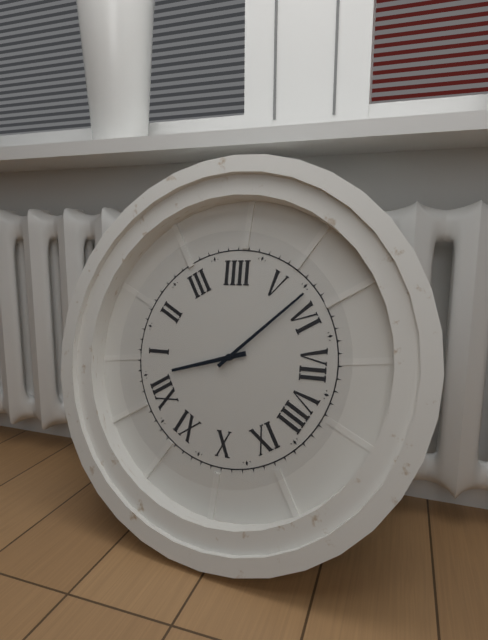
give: {"hour": 12, "minute": 28}
